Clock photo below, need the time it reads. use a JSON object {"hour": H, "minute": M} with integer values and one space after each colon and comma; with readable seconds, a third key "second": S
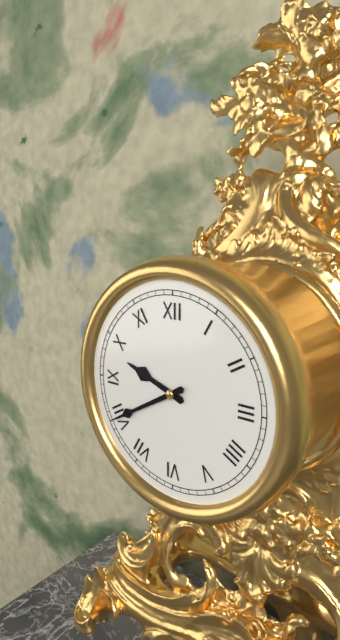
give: {"hour": 9, "minute": 40}
